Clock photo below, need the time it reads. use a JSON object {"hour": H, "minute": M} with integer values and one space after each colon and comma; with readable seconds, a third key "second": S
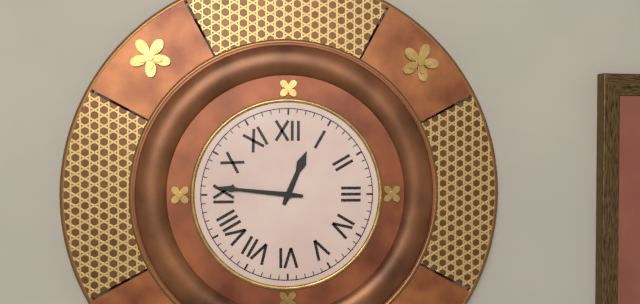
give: {"hour": 12, "minute": 46}
